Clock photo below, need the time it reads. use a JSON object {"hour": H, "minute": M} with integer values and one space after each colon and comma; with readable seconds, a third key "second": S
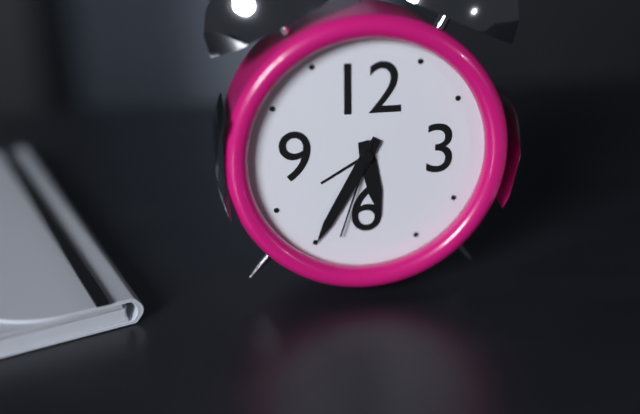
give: {"hour": 5, "minute": 35, "second": 33}
